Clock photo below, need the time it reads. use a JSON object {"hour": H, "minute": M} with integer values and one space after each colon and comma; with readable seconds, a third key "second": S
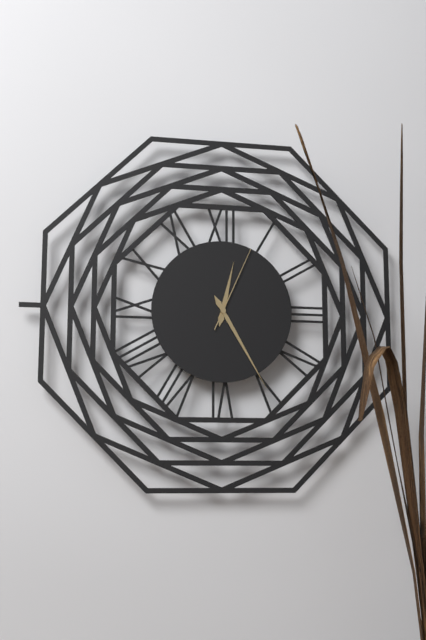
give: {"hour": 12, "minute": 25, "second": 4}
